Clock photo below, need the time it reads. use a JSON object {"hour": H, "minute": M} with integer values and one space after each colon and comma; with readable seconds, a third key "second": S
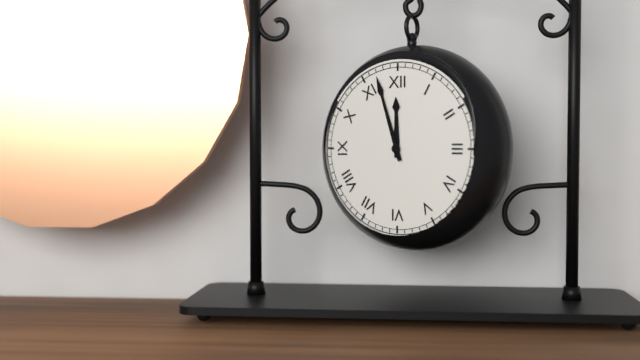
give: {"hour": 11, "minute": 57}
